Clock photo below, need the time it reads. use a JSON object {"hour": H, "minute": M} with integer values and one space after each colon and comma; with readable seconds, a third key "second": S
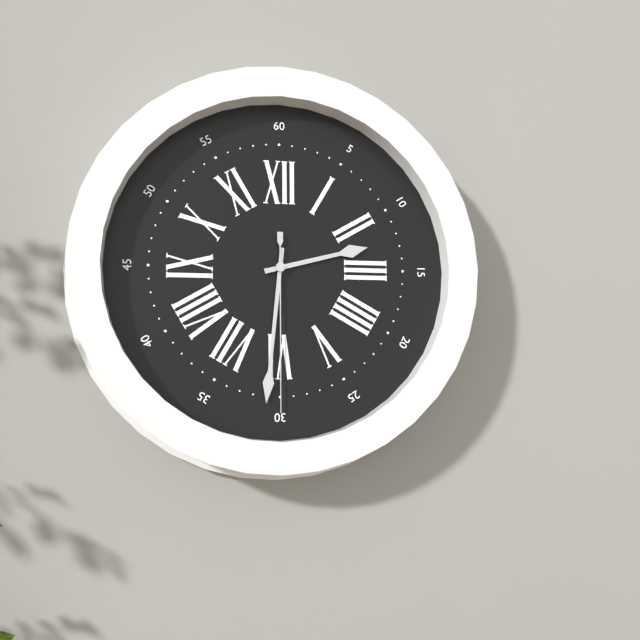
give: {"hour": 2, "minute": 31, "second": 30}
